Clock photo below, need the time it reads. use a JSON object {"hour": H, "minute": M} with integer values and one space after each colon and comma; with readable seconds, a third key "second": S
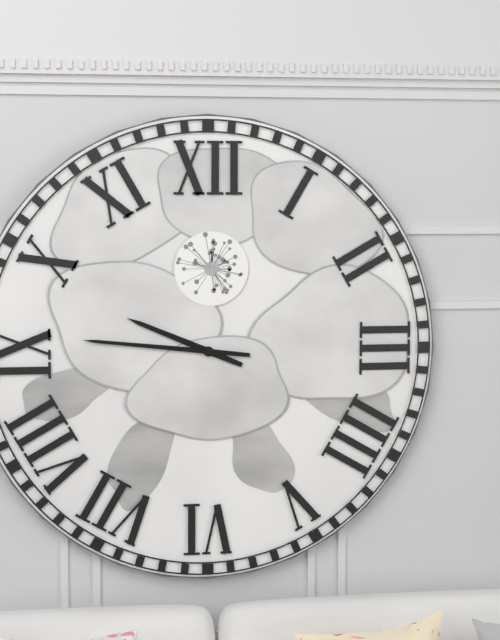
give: {"hour": 9, "minute": 46}
